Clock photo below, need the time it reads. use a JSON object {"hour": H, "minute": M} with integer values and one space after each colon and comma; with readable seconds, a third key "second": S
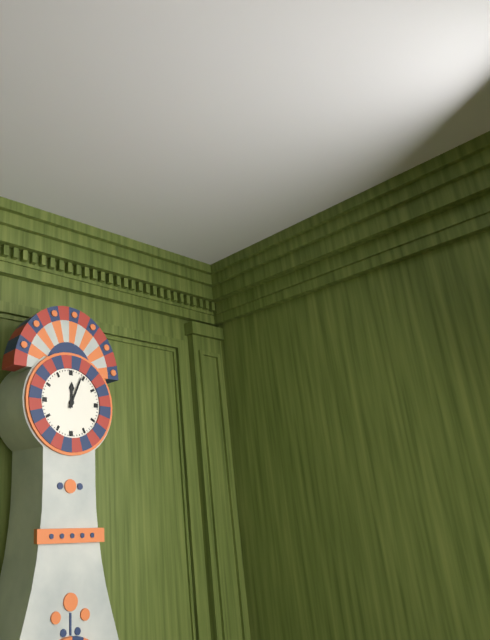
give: {"hour": 12, "minute": 4}
